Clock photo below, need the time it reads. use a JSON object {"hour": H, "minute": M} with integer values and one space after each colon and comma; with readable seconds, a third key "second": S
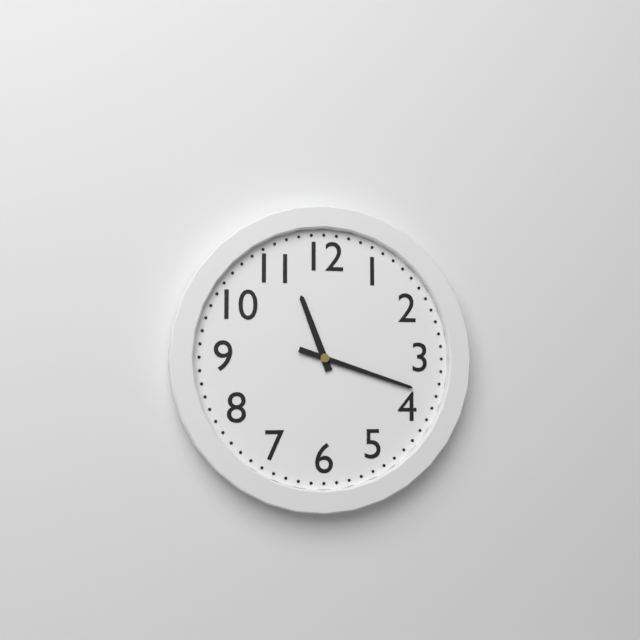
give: {"hour": 11, "minute": 18}
